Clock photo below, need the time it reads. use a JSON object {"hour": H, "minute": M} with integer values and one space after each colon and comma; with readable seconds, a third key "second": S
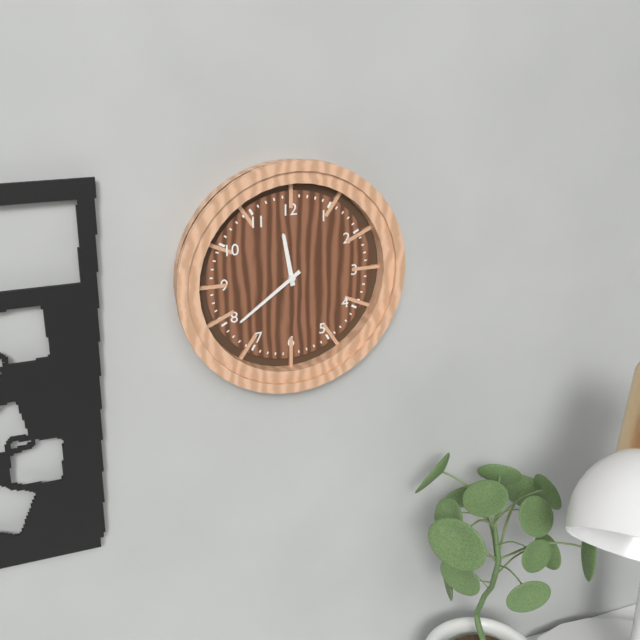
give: {"hour": 11, "minute": 39}
